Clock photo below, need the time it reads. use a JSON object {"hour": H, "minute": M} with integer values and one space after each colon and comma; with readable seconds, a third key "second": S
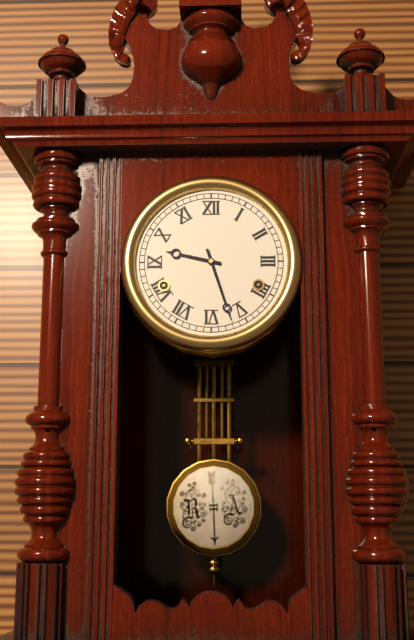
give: {"hour": 9, "minute": 27}
